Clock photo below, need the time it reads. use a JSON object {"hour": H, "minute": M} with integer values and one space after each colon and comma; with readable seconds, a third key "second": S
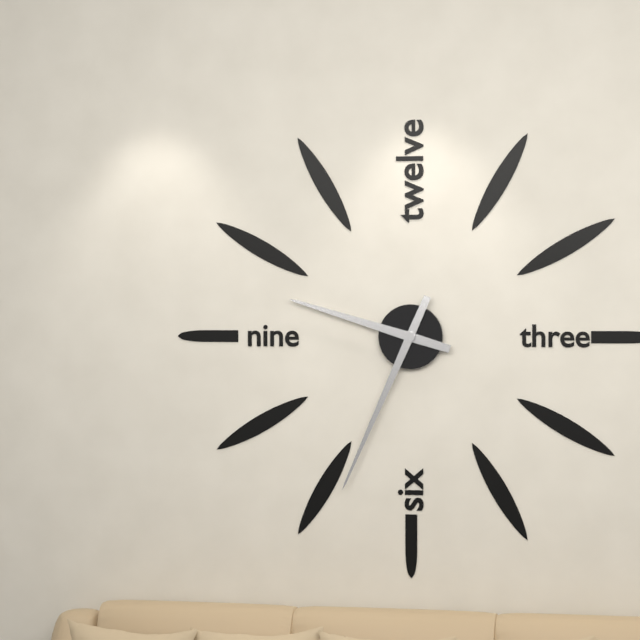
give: {"hour": 9, "minute": 34}
